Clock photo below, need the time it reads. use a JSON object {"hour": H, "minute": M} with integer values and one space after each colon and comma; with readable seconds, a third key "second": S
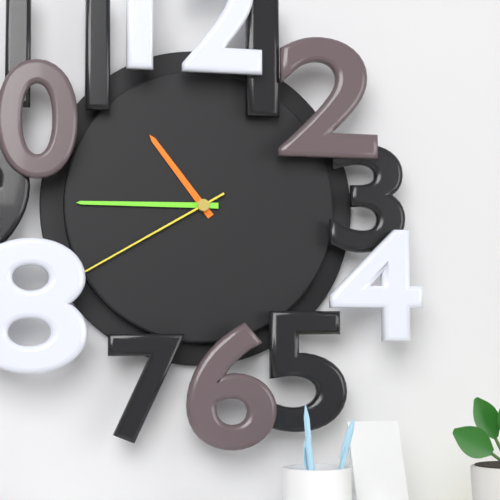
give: {"hour": 10, "minute": 45, "second": 40}
